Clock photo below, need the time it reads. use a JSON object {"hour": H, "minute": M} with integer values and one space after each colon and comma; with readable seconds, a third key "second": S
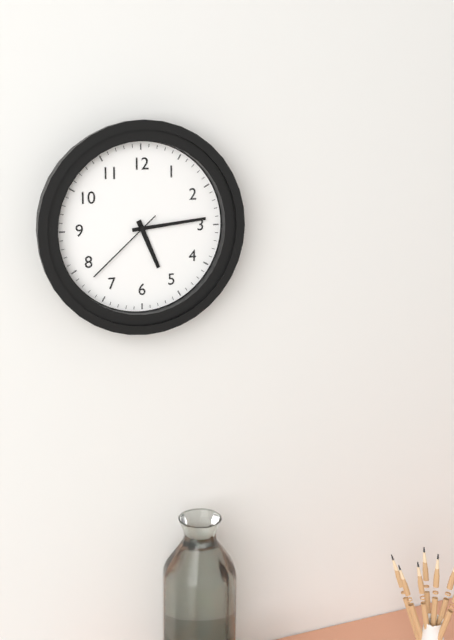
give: {"hour": 5, "minute": 14, "second": 38}
